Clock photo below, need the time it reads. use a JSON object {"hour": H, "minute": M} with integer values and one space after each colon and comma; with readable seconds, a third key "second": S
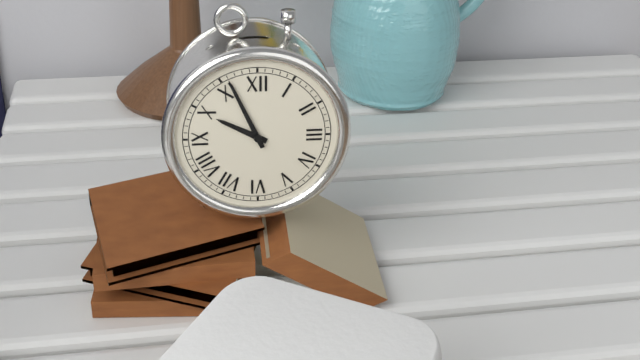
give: {"hour": 9, "minute": 56}
